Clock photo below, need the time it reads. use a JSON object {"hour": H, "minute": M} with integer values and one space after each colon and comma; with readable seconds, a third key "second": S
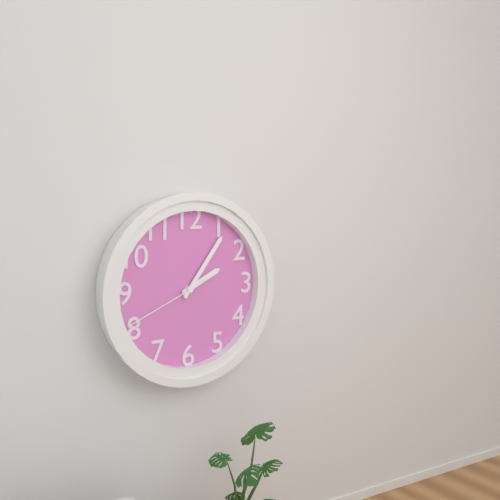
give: {"hour": 2, "minute": 6, "second": 41}
